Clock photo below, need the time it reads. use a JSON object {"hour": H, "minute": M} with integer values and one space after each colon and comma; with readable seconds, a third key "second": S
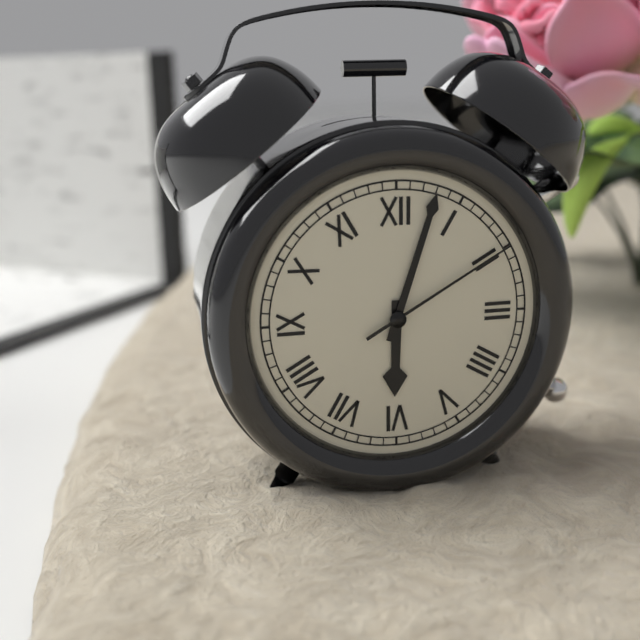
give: {"hour": 6, "minute": 3, "second": 10}
